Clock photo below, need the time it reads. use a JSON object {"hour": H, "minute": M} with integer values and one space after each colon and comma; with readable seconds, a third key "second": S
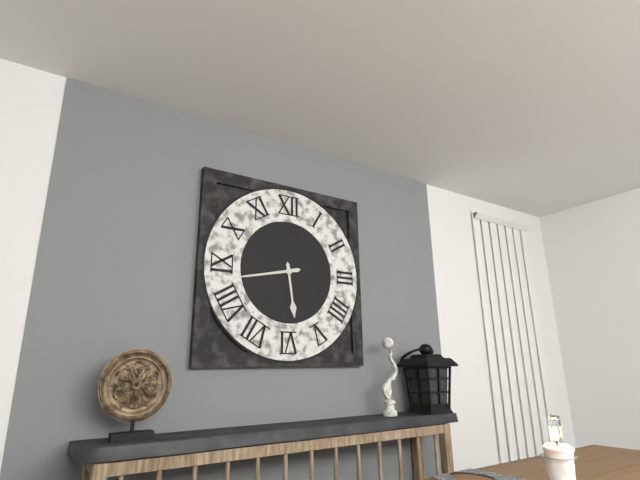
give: {"hour": 5, "minute": 43}
